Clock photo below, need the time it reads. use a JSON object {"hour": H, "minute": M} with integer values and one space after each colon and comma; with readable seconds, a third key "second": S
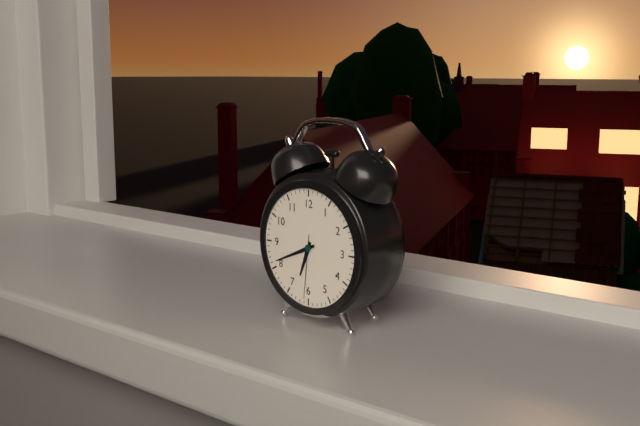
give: {"hour": 6, "minute": 41, "second": 31}
